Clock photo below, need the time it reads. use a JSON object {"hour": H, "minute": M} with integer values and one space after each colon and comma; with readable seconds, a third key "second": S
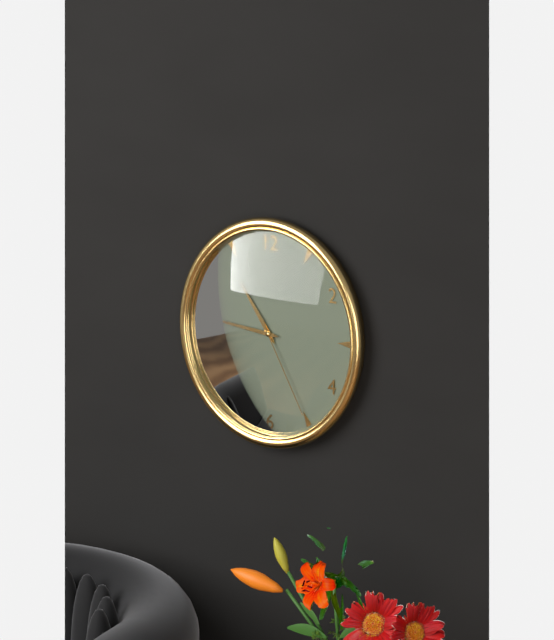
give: {"hour": 10, "minute": 46, "second": 25}
